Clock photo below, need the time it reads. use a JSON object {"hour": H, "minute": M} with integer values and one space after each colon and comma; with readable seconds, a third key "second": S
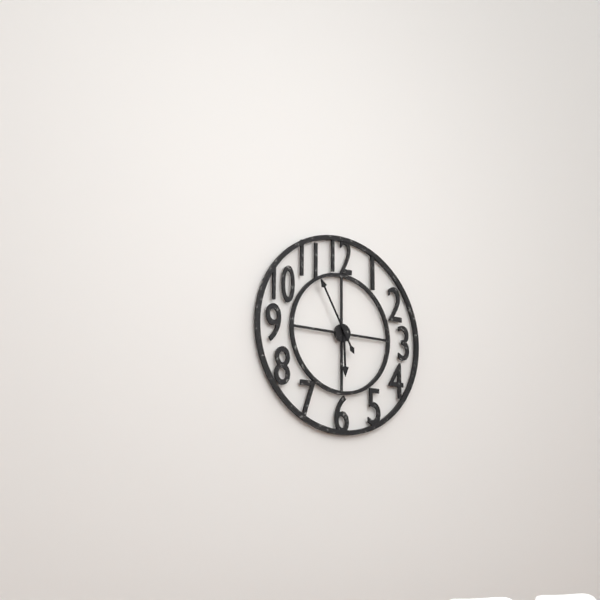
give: {"hour": 5, "minute": 55}
